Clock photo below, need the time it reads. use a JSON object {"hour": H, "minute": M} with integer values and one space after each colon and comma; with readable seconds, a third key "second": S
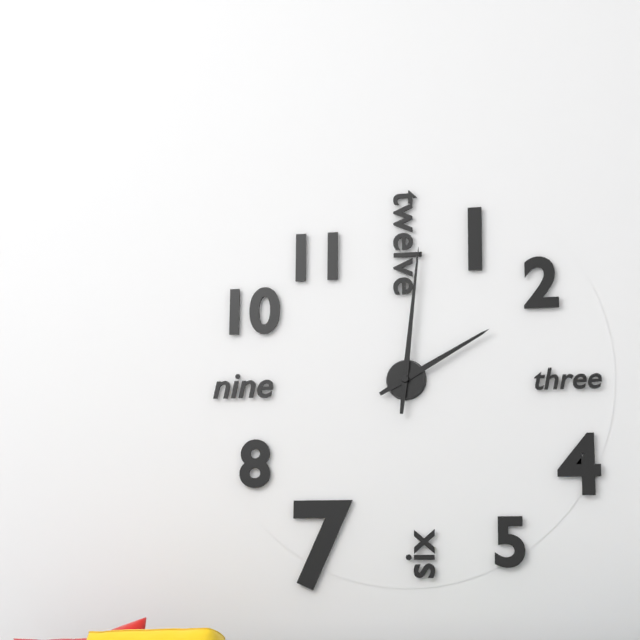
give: {"hour": 2, "minute": 1}
